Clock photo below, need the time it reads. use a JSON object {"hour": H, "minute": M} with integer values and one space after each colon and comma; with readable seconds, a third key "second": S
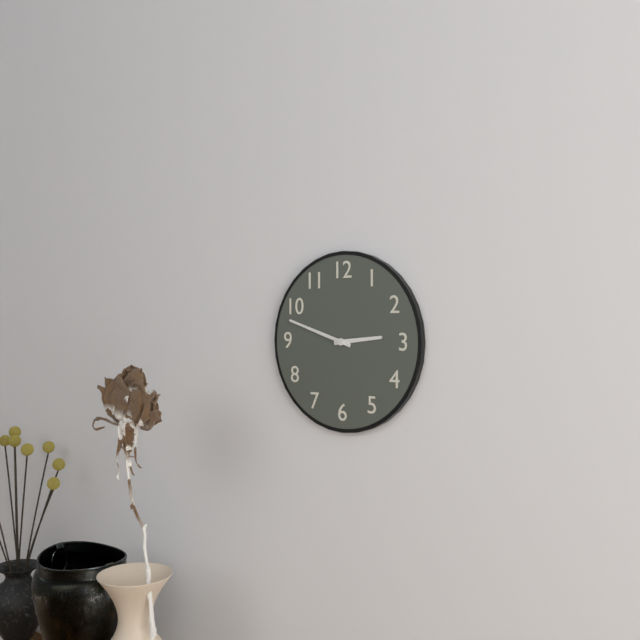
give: {"hour": 2, "minute": 48}
